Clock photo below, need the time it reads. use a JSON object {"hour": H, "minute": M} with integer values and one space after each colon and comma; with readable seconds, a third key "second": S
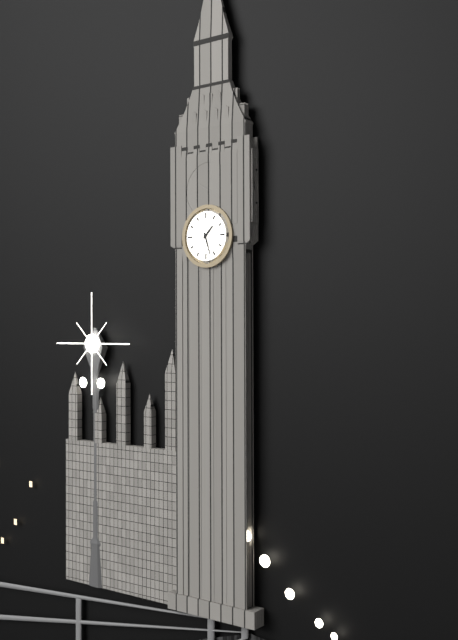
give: {"hour": 1, "minute": 27}
